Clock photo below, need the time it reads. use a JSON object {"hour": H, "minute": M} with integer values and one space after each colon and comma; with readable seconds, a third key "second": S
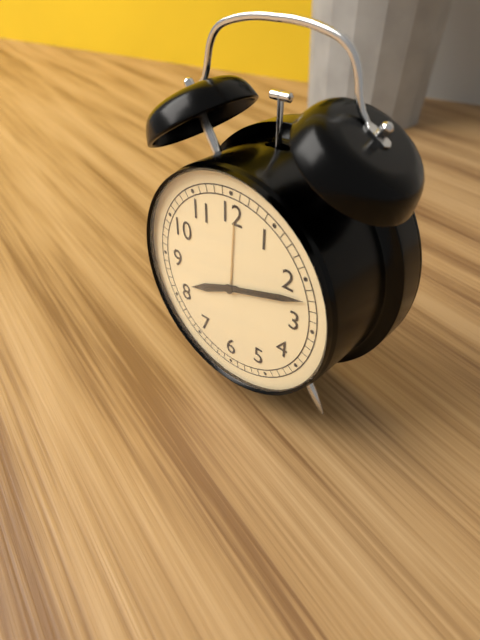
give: {"hour": 8, "minute": 12}
